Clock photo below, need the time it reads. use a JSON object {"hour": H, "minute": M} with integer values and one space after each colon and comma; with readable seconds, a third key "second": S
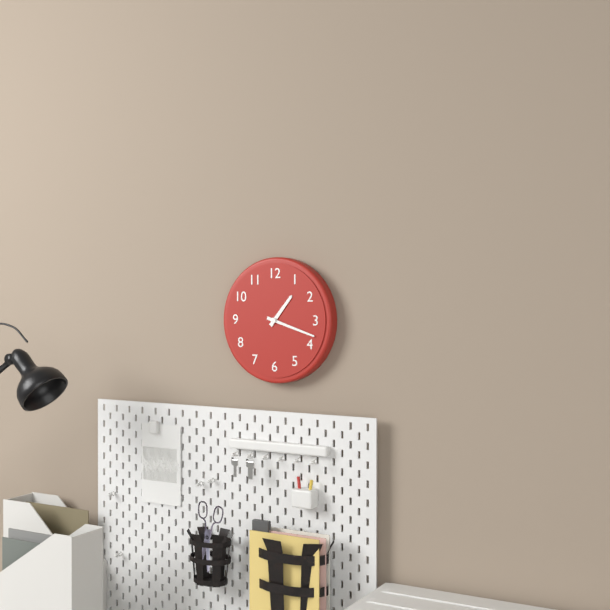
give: {"hour": 1, "minute": 18}
